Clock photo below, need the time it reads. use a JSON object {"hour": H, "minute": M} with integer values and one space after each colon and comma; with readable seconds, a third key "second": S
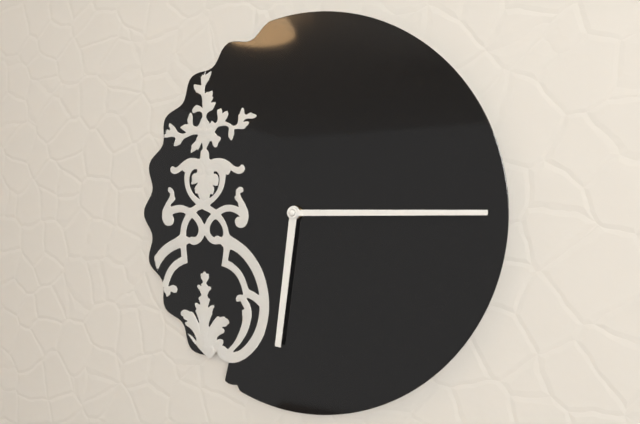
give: {"hour": 6, "minute": 15}
